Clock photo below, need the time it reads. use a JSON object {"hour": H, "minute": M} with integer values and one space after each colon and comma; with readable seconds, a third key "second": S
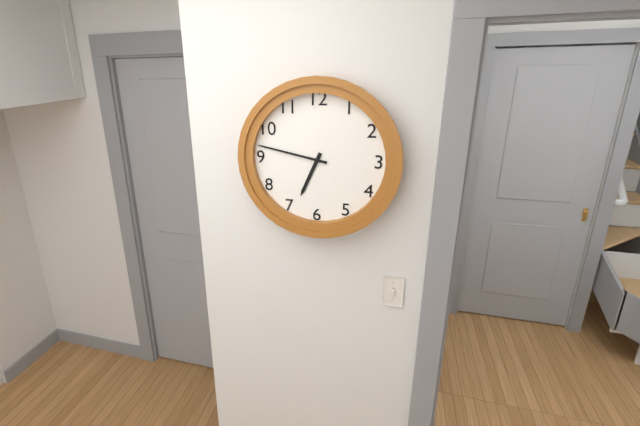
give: {"hour": 6, "minute": 47}
